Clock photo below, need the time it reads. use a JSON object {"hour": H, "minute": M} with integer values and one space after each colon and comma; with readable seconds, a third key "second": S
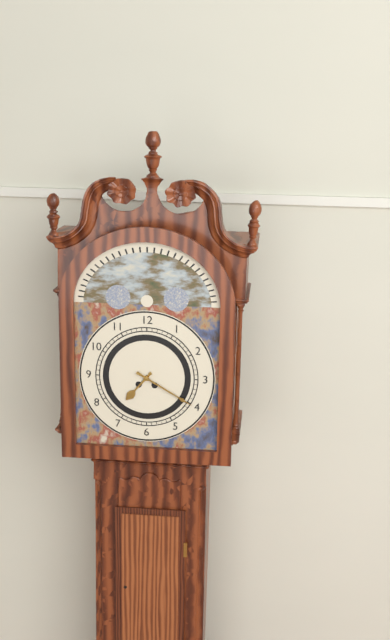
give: {"hour": 7, "minute": 20}
